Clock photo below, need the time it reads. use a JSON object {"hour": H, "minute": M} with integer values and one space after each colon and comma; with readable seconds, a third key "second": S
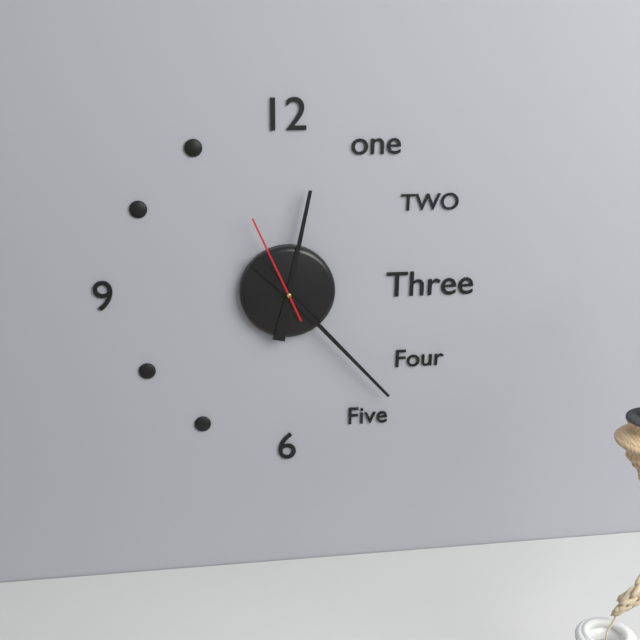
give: {"hour": 12, "minute": 23, "second": 56}
